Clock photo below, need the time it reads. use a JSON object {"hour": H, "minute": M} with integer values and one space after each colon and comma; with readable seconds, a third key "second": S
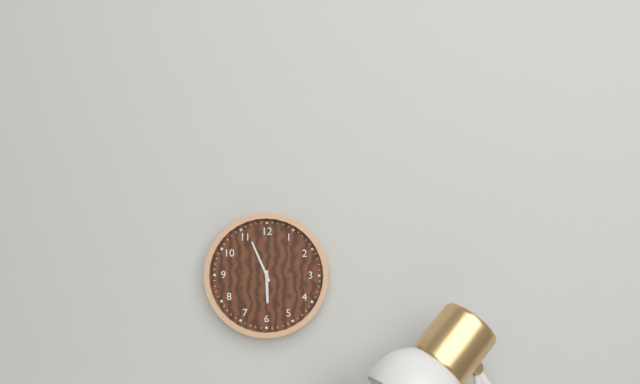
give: {"hour": 5, "minute": 56}
